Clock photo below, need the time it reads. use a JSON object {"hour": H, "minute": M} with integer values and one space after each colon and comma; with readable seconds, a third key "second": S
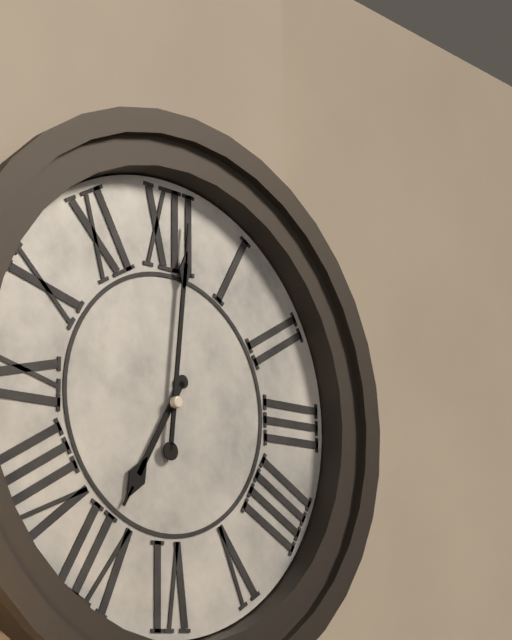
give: {"hour": 7, "minute": 1}
